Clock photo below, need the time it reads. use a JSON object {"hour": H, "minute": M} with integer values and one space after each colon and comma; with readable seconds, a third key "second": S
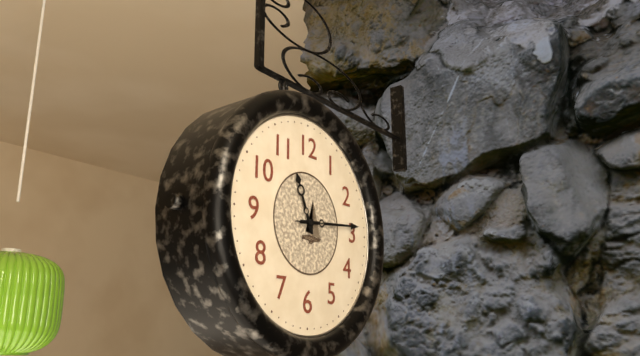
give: {"hour": 11, "minute": 14, "second": 14}
